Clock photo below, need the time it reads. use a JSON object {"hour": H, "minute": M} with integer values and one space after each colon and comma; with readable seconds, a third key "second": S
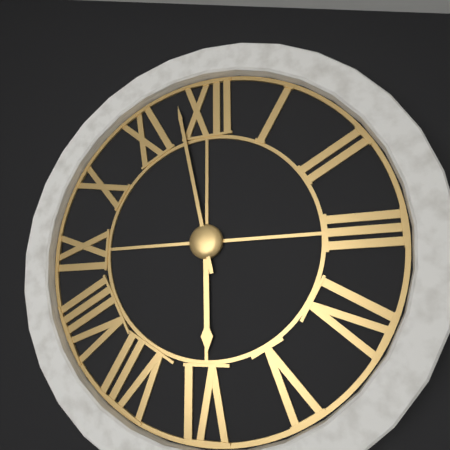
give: {"hour": 5, "minute": 58}
